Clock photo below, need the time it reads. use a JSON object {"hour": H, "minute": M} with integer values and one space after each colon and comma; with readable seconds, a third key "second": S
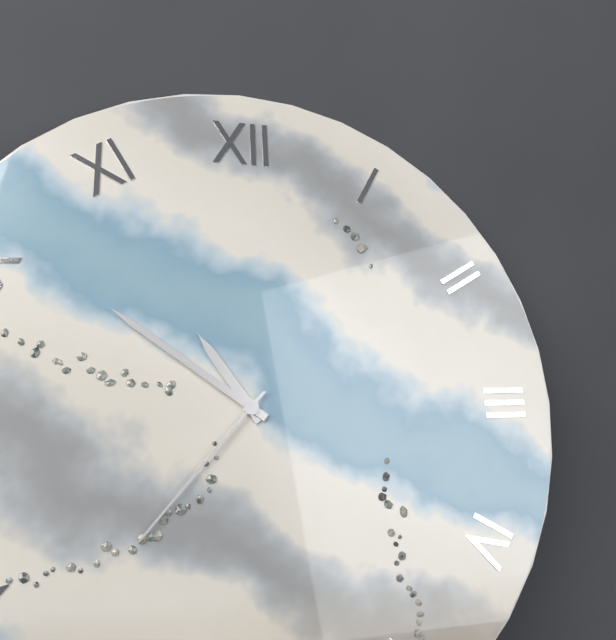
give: {"hour": 10, "minute": 51, "second": 37}
